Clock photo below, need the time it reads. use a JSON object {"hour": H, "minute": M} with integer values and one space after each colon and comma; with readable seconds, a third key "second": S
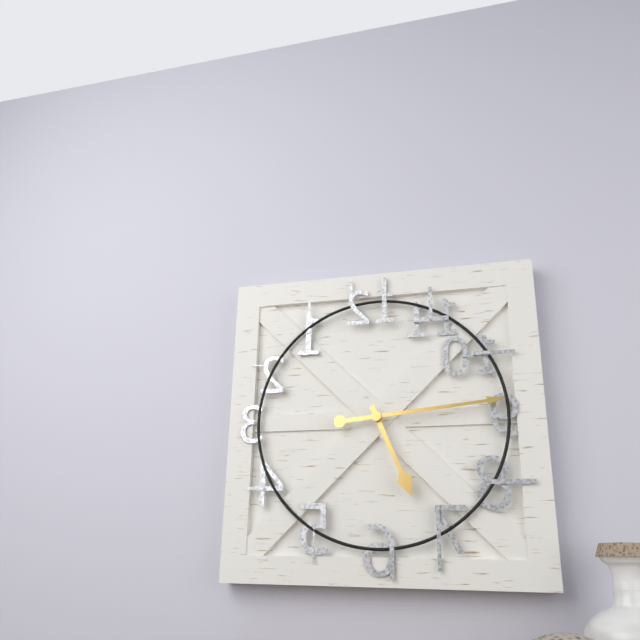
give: {"hour": 5, "minute": 14}
